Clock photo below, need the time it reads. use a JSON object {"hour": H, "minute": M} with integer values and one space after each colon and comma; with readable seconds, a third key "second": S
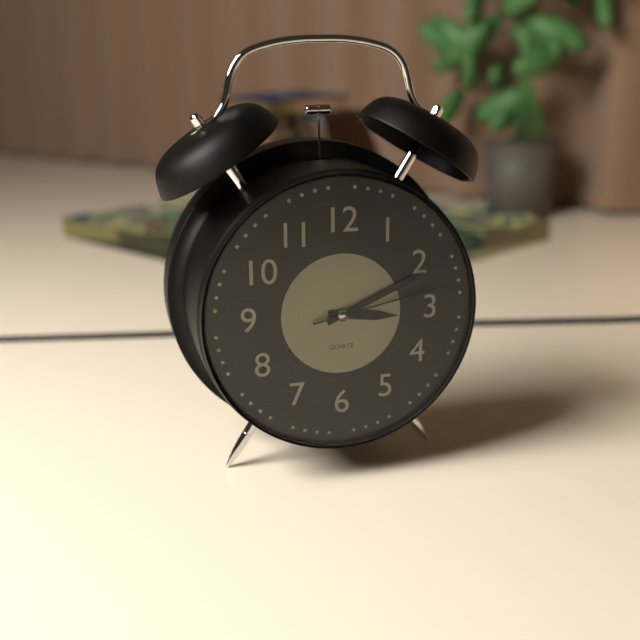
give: {"hour": 3, "minute": 11, "second": 13}
